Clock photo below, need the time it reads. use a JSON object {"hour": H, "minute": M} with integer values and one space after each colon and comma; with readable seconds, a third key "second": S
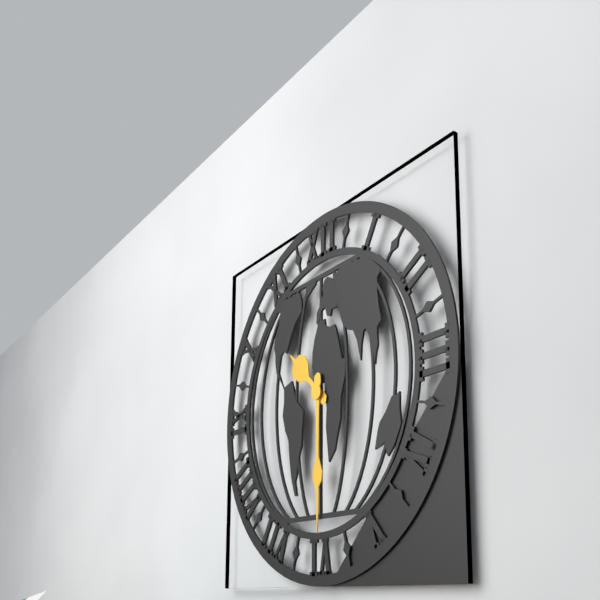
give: {"hour": 10, "minute": 30}
